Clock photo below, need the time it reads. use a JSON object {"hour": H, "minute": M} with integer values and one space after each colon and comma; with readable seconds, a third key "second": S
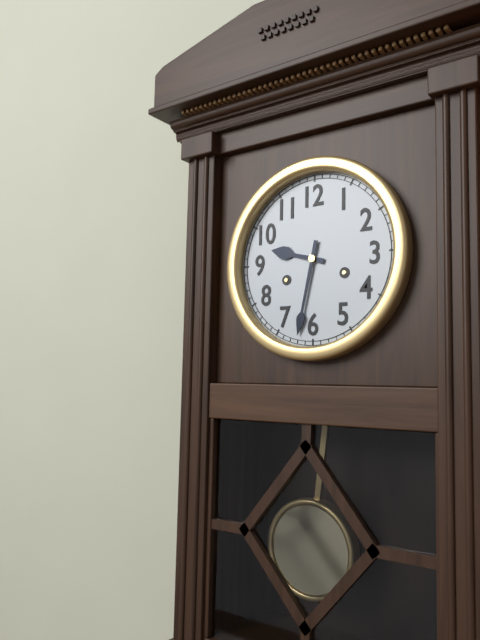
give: {"hour": 9, "minute": 32}
